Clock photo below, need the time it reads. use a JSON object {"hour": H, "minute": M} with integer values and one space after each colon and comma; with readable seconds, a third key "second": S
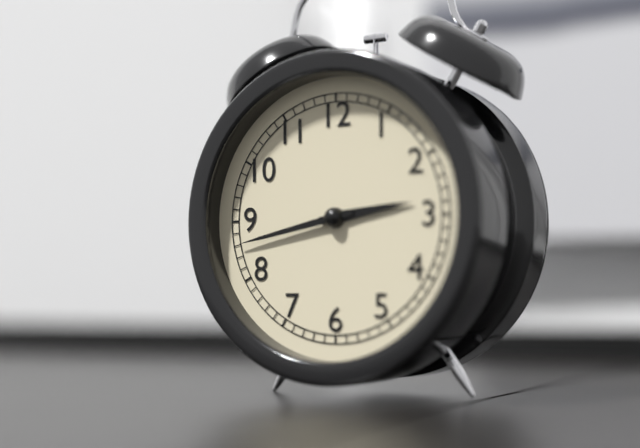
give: {"hour": 2, "minute": 43}
